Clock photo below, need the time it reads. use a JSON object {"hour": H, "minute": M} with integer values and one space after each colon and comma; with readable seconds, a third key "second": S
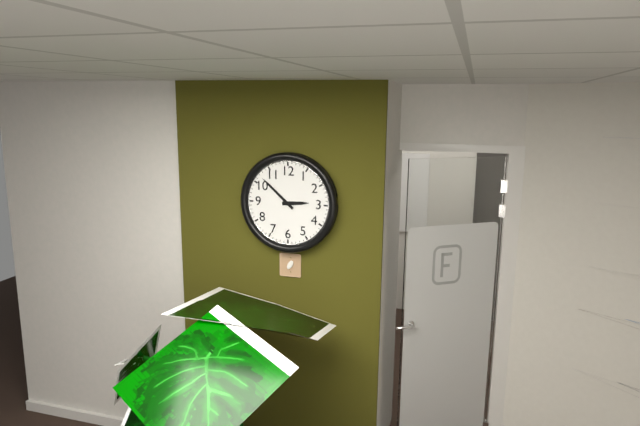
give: {"hour": 2, "minute": 52}
